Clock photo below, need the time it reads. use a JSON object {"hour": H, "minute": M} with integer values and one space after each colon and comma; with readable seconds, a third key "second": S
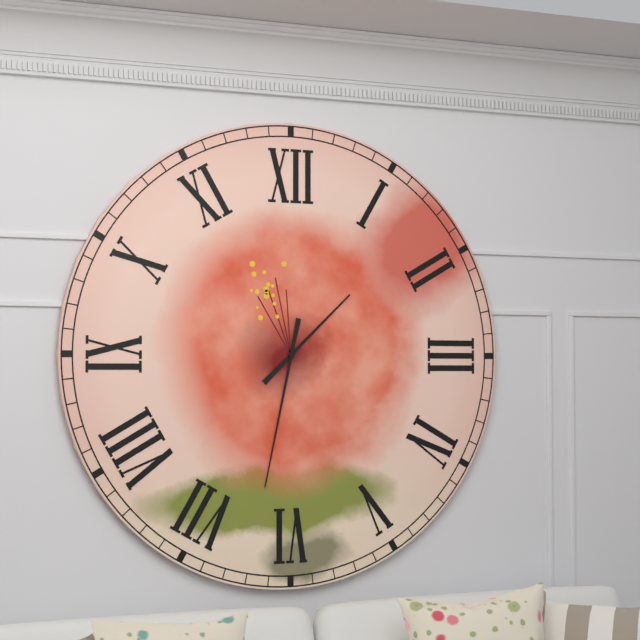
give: {"hour": 1, "minute": 32}
